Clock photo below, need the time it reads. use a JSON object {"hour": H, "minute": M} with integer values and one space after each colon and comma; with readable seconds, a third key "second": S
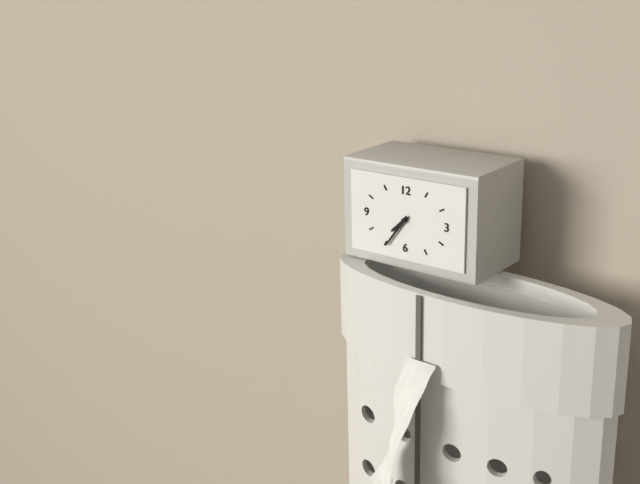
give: {"hour": 7, "minute": 36}
